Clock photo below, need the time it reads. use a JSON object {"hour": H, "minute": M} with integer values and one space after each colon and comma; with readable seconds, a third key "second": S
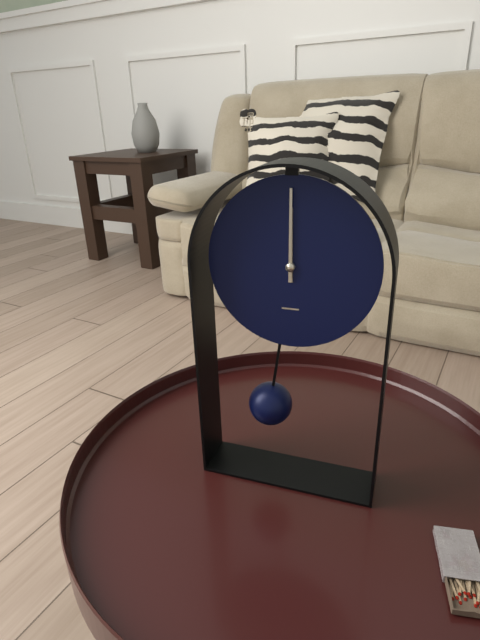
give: {"hour": 12, "minute": 0}
